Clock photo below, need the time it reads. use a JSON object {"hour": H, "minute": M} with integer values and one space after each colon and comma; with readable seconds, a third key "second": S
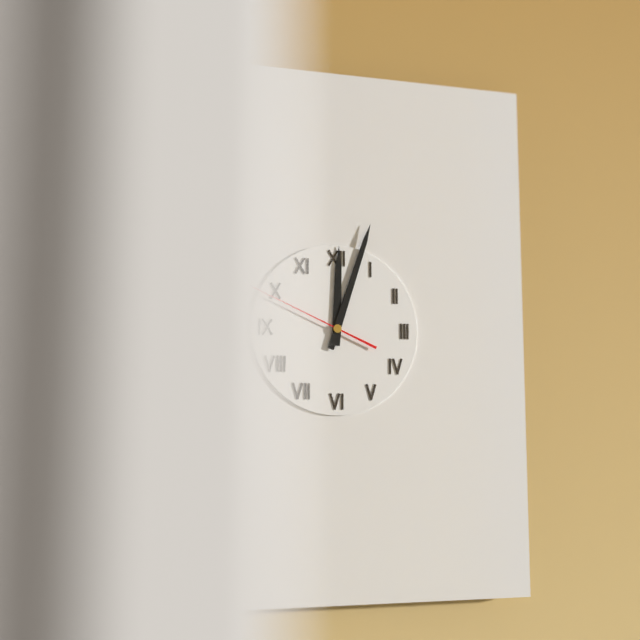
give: {"hour": 12, "minute": 3}
